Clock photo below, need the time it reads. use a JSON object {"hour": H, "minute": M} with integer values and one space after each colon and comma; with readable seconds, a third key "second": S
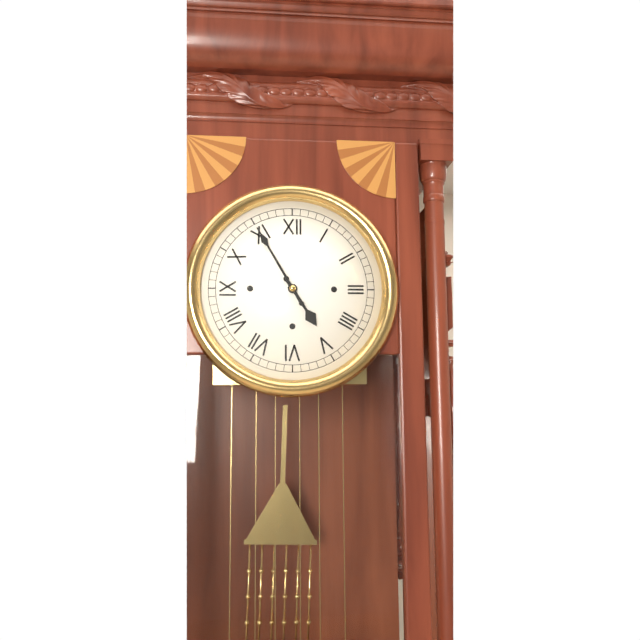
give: {"hour": 4, "minute": 55}
